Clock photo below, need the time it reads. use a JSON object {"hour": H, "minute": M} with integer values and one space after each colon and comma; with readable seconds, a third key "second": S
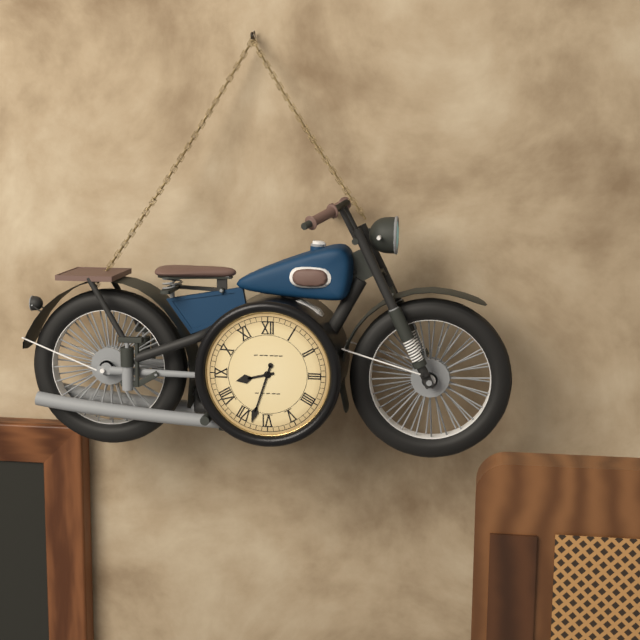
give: {"hour": 8, "minute": 33}
